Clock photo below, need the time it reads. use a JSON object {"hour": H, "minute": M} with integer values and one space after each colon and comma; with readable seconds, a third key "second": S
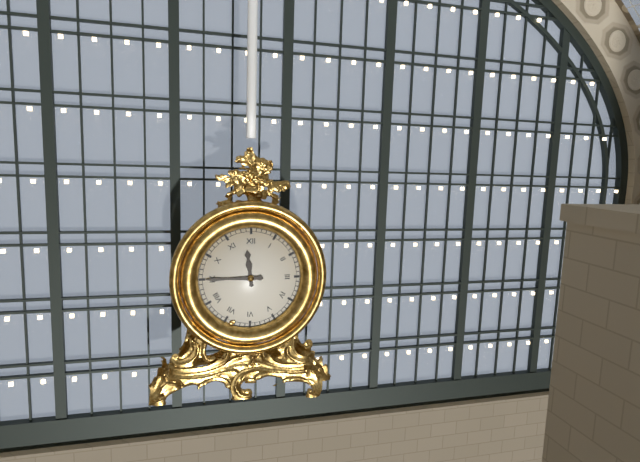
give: {"hour": 11, "minute": 45}
